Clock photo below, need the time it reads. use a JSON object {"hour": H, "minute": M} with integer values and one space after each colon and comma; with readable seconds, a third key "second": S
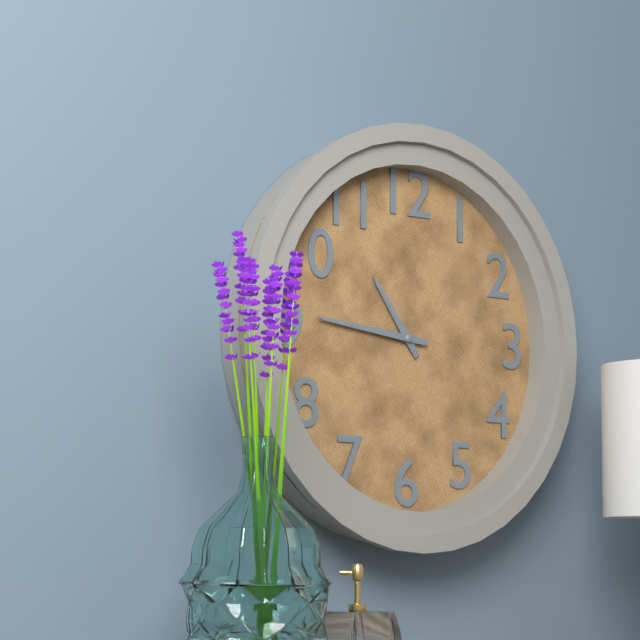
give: {"hour": 10, "minute": 46}
